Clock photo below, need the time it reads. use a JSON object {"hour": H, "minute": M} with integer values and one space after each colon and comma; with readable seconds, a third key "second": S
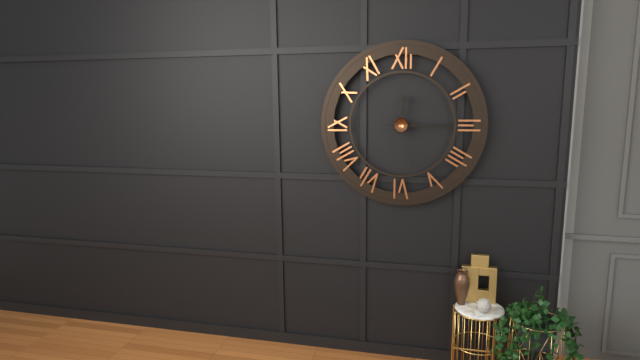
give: {"hour": 12, "minute": 15, "second": 27}
